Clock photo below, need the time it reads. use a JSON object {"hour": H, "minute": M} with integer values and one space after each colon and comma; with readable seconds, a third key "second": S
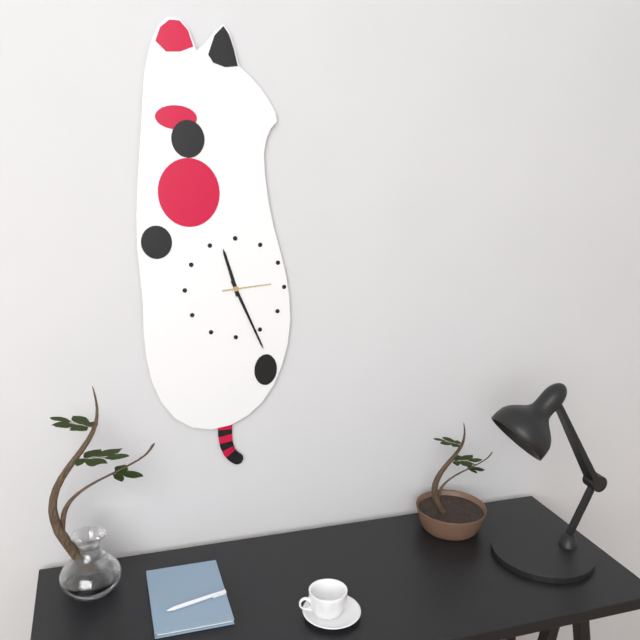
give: {"hour": 11, "minute": 26}
